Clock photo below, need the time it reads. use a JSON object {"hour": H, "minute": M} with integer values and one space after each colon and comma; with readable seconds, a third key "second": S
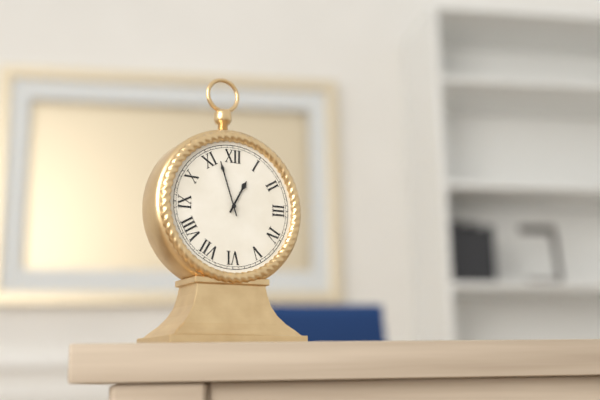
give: {"hour": 12, "minute": 57}
